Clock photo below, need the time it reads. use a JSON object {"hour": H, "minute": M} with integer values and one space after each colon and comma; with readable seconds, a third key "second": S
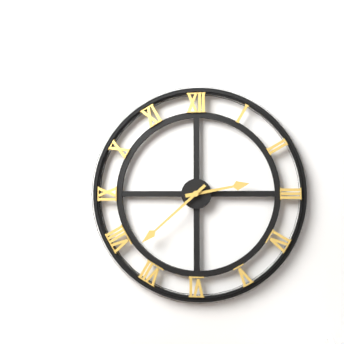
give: {"hour": 2, "minute": 38}
